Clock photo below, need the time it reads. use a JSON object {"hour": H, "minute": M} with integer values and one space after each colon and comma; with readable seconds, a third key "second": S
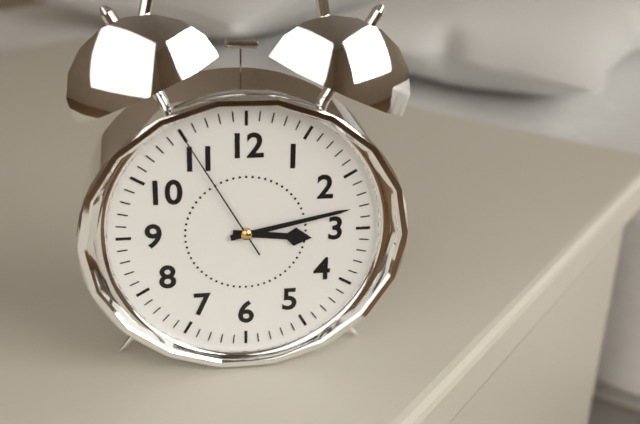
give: {"hour": 3, "minute": 13, "second": 55}
